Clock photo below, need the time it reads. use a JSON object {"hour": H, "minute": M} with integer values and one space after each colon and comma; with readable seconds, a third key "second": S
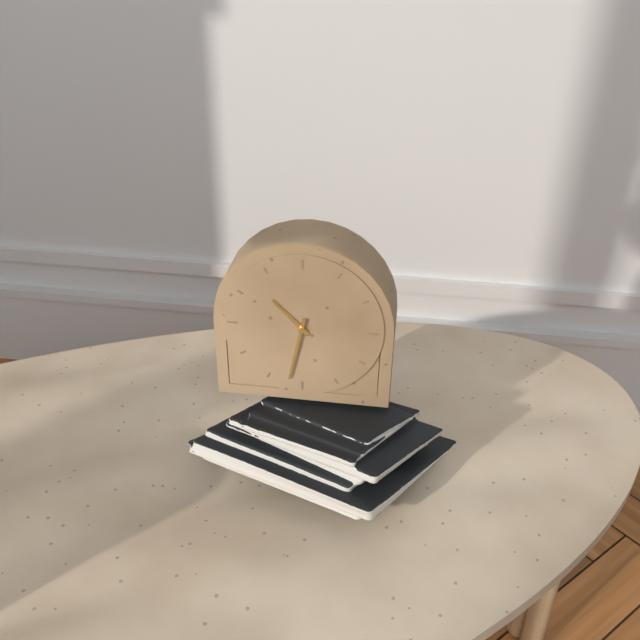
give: {"hour": 10, "minute": 32}
